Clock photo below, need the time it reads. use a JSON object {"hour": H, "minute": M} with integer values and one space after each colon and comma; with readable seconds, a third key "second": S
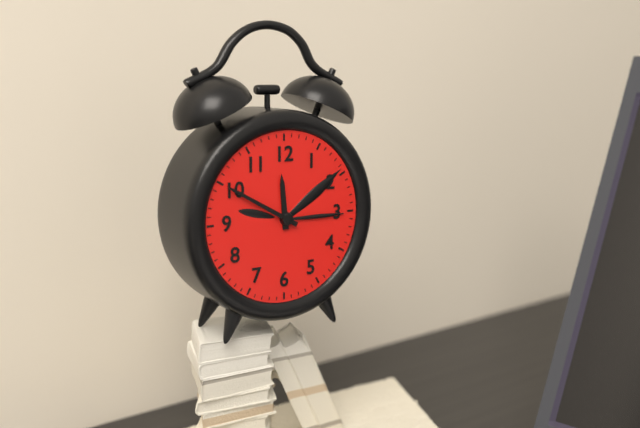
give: {"hour": 11, "minute": 50}
